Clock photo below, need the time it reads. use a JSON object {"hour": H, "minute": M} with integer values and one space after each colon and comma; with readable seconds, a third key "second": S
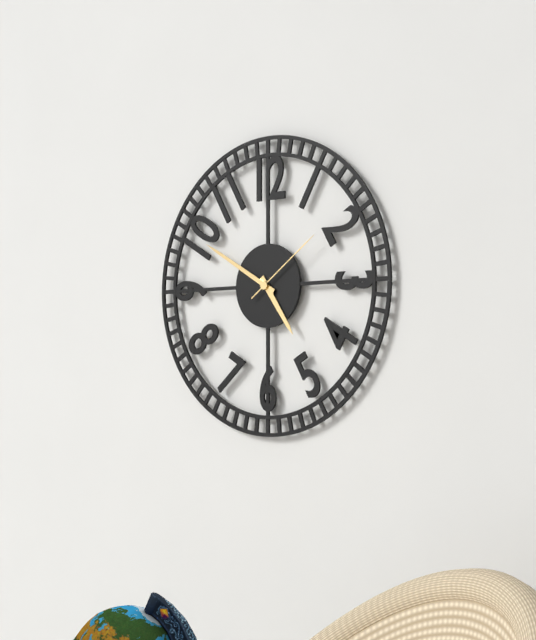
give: {"hour": 4, "minute": 50, "second": 9}
